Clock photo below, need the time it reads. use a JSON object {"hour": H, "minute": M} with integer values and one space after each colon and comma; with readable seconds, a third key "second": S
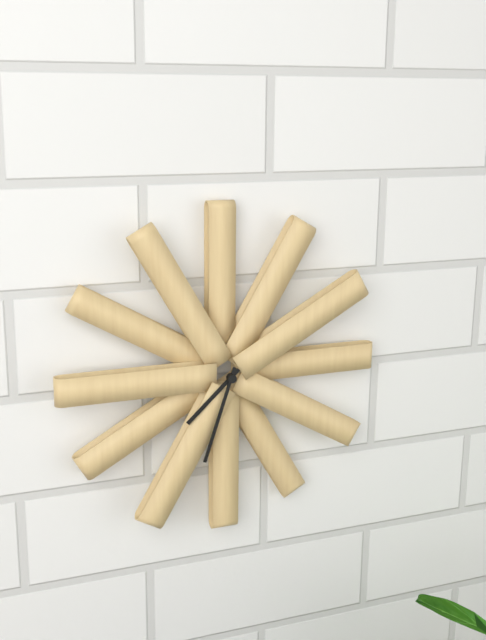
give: {"hour": 7, "minute": 33}
